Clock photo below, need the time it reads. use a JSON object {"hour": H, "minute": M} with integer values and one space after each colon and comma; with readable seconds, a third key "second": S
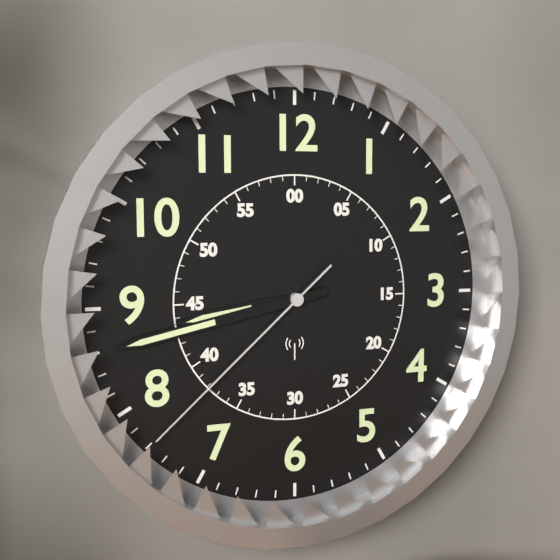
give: {"hour": 8, "minute": 43, "second": 38}
